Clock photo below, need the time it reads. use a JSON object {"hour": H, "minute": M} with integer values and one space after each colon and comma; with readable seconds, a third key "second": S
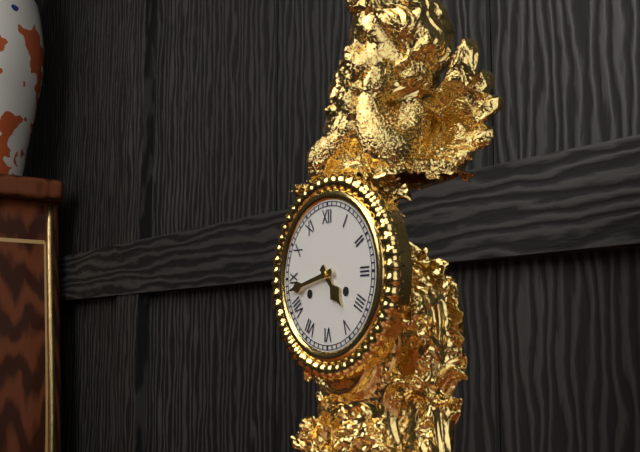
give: {"hour": 4, "minute": 43}
